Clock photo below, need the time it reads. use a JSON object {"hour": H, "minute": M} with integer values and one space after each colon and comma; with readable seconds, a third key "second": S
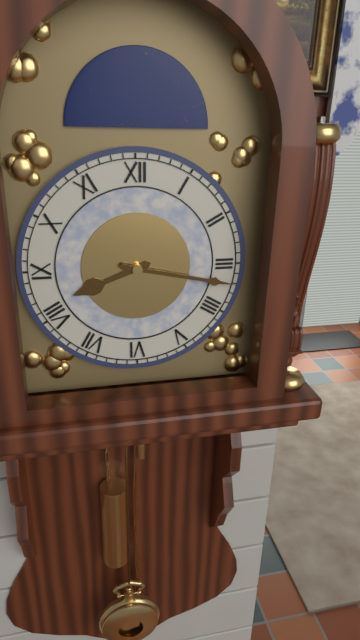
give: {"hour": 8, "minute": 17}
